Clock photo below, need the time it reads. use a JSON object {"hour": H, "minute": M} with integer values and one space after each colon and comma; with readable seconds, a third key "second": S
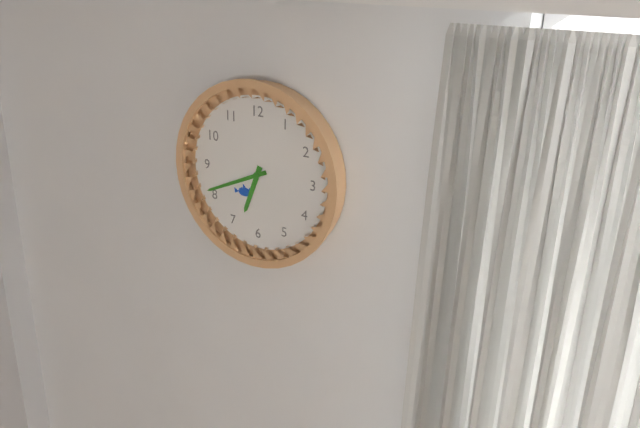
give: {"hour": 6, "minute": 41}
